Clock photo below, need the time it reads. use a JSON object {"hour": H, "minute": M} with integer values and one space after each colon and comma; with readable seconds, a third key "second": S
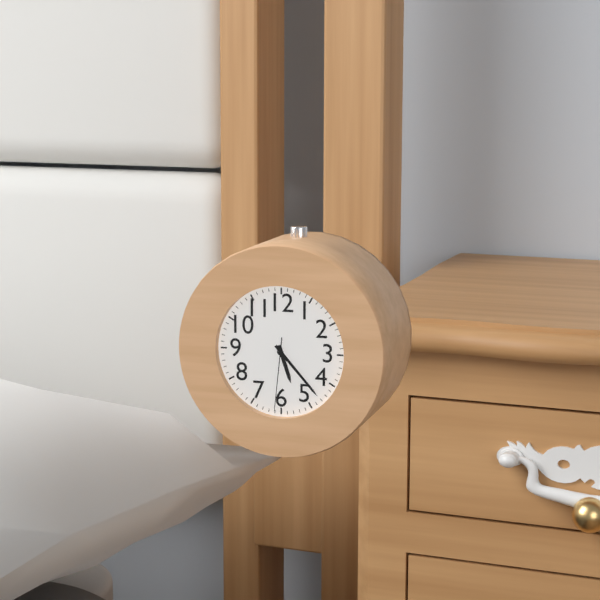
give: {"hour": 5, "minute": 23, "second": 31}
